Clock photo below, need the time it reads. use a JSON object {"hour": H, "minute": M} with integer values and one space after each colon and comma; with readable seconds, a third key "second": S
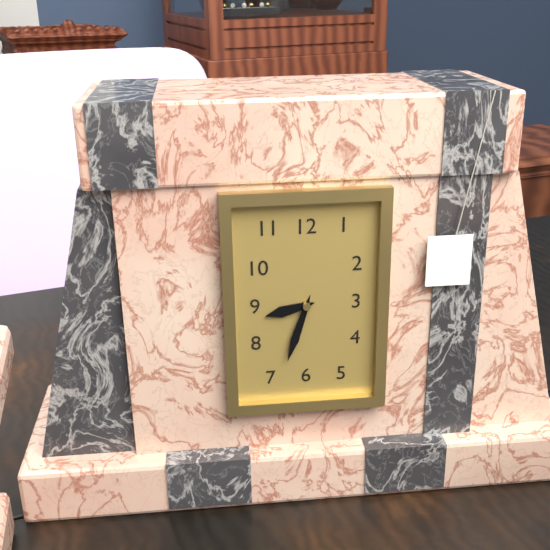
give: {"hour": 8, "minute": 33}
